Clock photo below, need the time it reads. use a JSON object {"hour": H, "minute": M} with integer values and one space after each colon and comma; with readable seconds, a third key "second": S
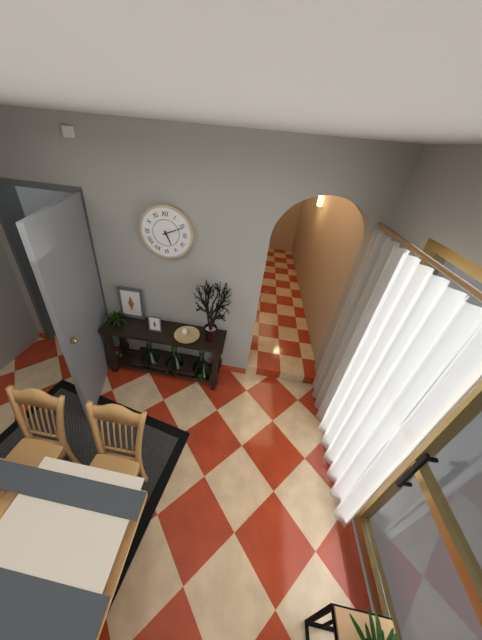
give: {"hour": 5, "minute": 11}
